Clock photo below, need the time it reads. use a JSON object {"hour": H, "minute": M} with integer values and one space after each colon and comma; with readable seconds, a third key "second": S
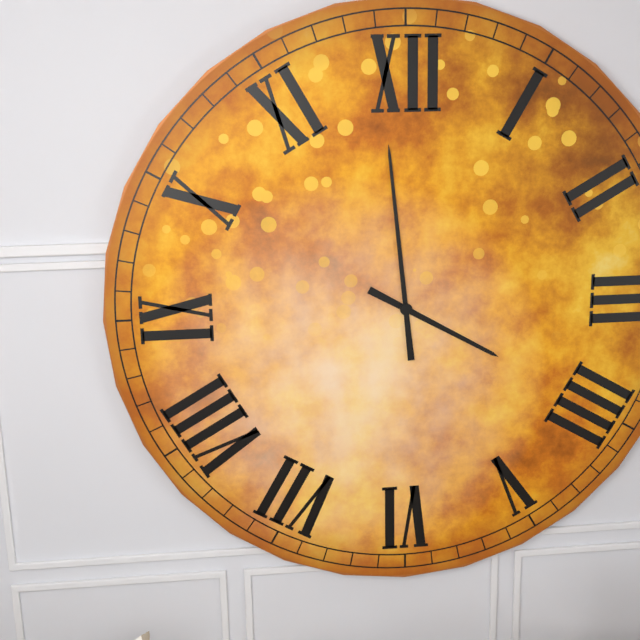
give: {"hour": 3, "minute": 59}
